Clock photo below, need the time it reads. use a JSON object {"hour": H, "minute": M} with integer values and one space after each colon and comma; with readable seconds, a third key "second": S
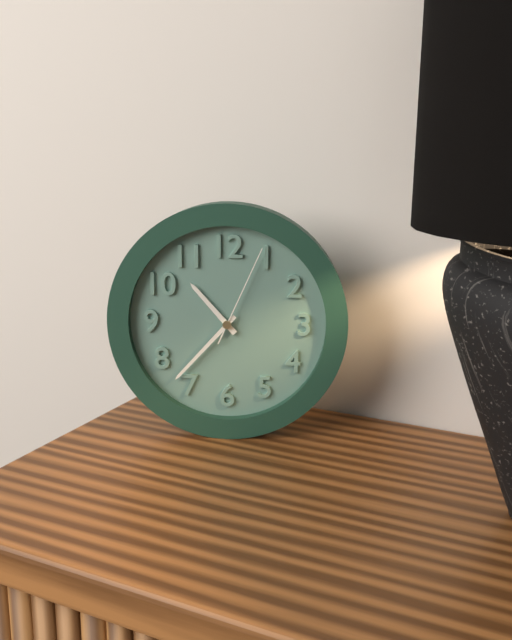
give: {"hour": 10, "minute": 37, "second": 4}
